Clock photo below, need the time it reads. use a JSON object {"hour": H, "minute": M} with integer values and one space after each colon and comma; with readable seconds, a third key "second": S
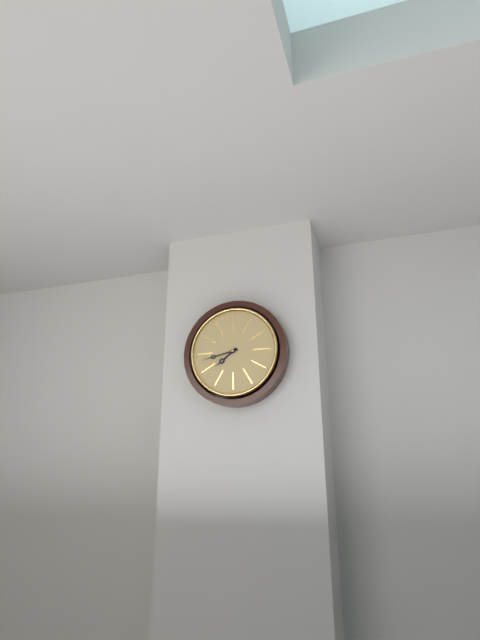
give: {"hour": 7, "minute": 43}
